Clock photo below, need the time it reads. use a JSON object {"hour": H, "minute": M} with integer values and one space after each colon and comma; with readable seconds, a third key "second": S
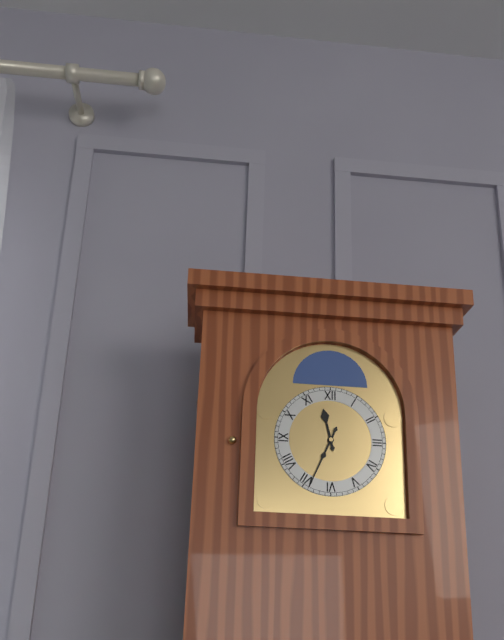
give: {"hour": 11, "minute": 34}
